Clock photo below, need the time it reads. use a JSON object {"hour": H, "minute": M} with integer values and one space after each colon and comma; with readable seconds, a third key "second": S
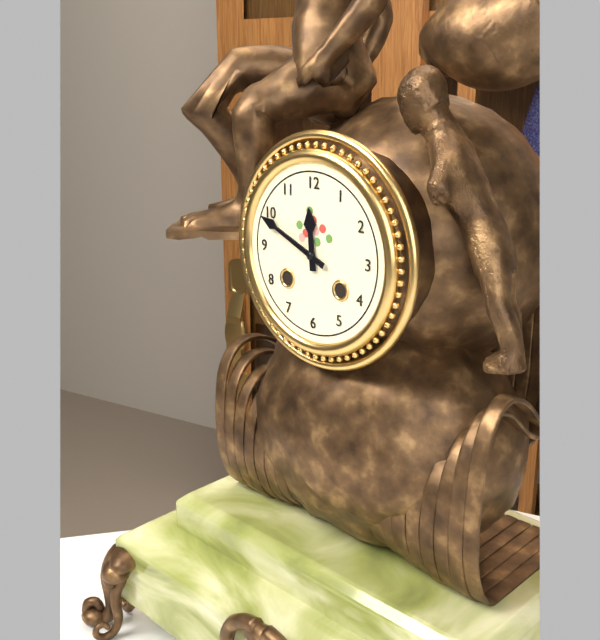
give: {"hour": 11, "minute": 49}
